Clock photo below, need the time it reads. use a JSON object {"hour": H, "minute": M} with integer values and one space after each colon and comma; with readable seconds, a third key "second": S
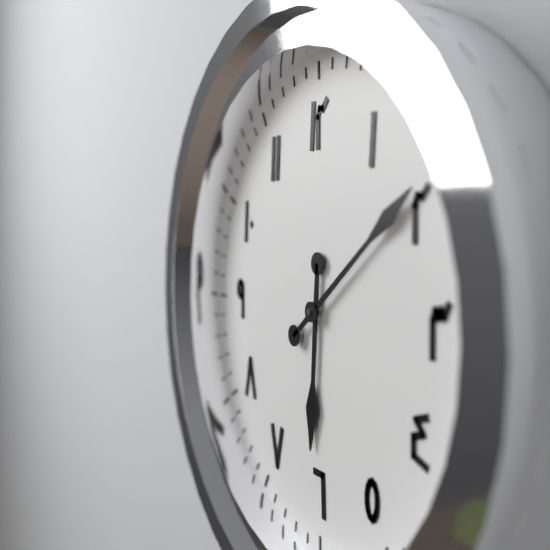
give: {"hour": 6, "minute": 9}
